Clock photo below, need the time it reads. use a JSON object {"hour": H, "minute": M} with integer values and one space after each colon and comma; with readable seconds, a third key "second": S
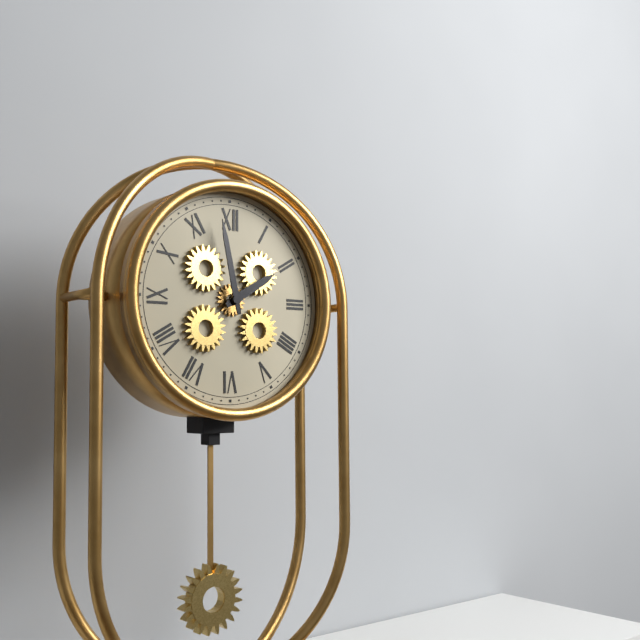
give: {"hour": 1, "minute": 58}
